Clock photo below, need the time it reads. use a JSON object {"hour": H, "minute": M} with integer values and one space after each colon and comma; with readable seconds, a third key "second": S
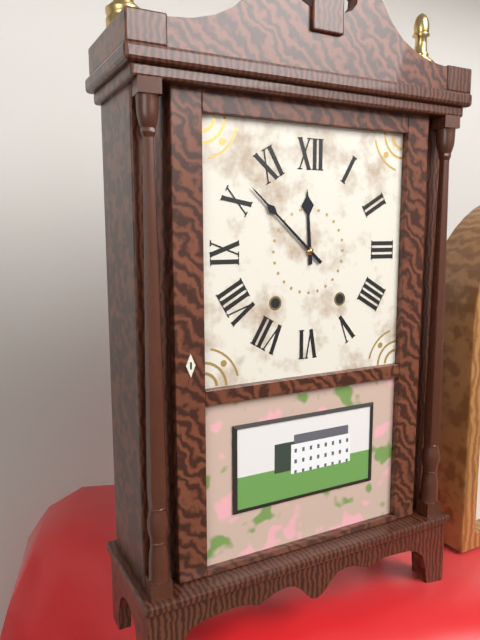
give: {"hour": 11, "minute": 52}
